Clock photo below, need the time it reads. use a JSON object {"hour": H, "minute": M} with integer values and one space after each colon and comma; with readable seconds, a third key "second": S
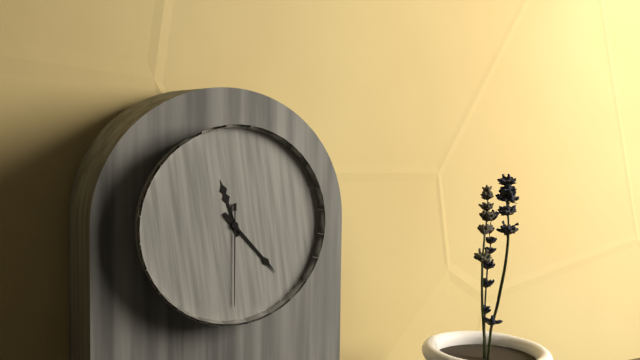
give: {"hour": 11, "minute": 23, "second": 30}
